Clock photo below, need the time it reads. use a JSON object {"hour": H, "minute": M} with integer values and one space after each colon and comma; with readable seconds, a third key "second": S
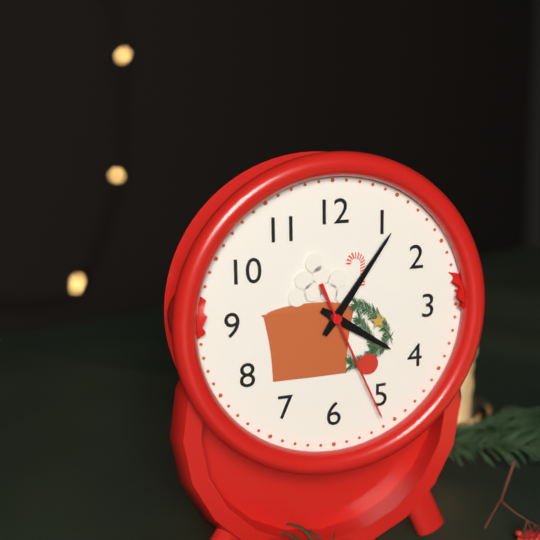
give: {"hour": 4, "minute": 6, "second": 26}
